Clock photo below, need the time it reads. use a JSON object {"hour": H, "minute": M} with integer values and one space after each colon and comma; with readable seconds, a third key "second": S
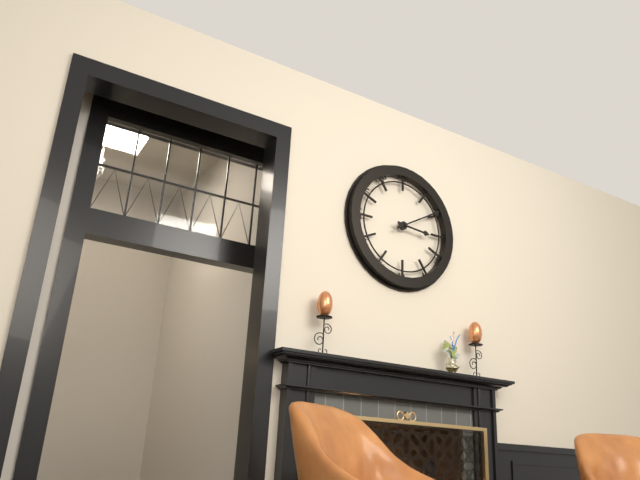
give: {"hour": 3, "minute": 10}
